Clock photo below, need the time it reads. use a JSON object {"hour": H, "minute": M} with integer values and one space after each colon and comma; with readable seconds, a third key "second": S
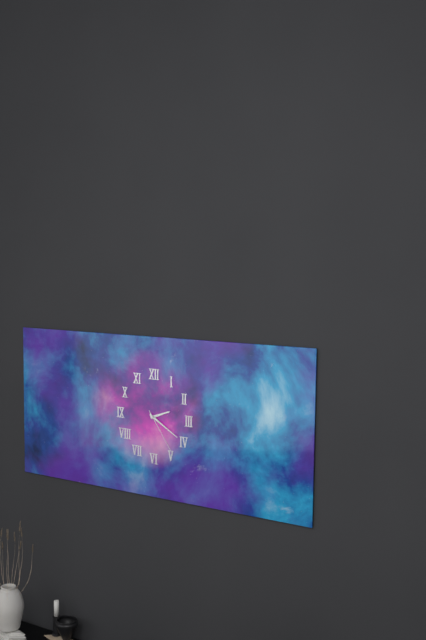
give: {"hour": 2, "minute": 20, "second": 24}
